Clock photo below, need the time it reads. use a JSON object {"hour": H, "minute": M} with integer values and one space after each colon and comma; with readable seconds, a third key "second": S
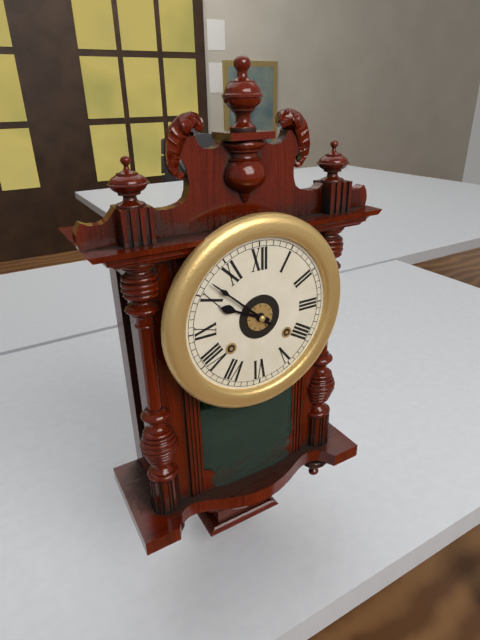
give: {"hour": 9, "minute": 52}
